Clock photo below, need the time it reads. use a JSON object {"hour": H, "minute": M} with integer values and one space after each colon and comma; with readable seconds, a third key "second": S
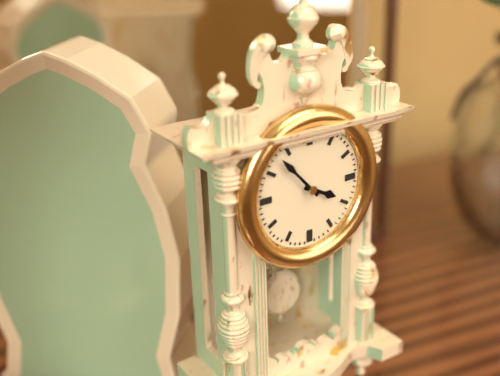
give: {"hour": 3, "minute": 53}
